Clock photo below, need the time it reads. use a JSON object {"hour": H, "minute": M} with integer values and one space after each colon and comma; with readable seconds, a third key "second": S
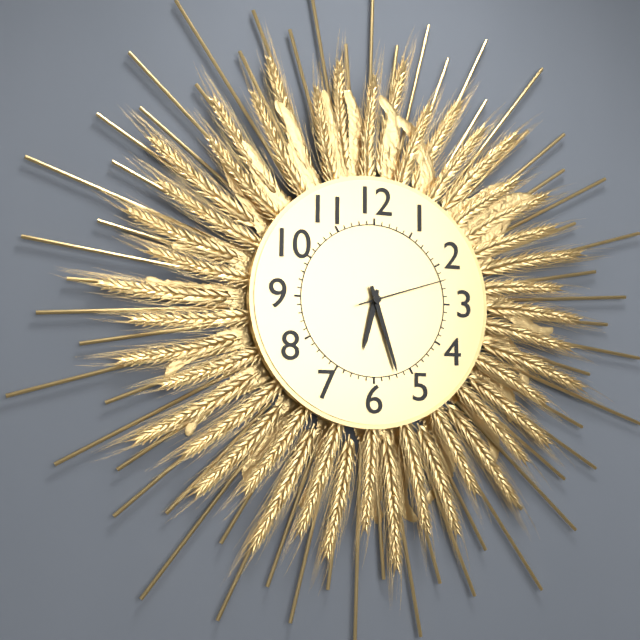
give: {"hour": 6, "minute": 27, "second": 12}
